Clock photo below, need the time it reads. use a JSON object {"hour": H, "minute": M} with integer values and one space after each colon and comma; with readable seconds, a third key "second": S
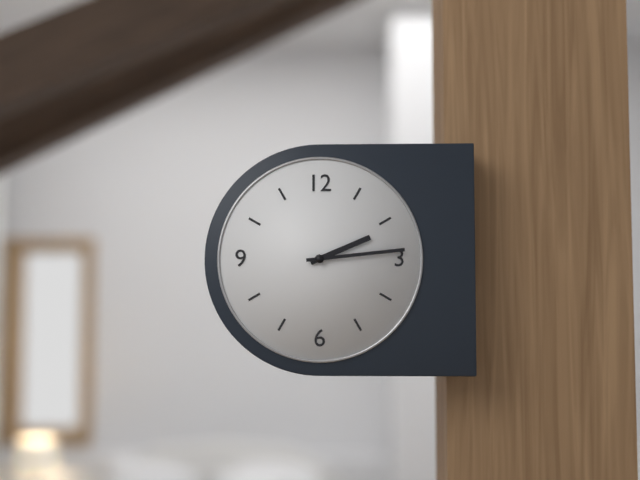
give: {"hour": 2, "minute": 14}
